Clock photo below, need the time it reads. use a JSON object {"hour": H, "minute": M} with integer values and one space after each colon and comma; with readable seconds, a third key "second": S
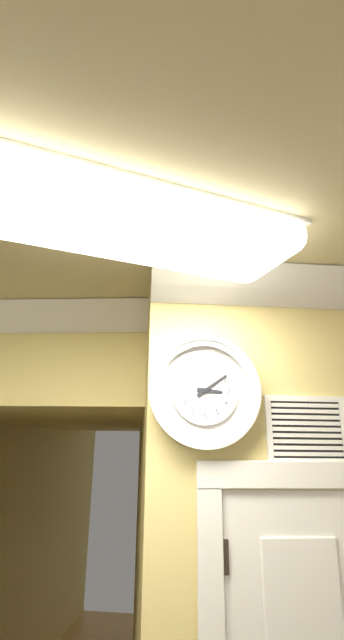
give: {"hour": 3, "minute": 9}
